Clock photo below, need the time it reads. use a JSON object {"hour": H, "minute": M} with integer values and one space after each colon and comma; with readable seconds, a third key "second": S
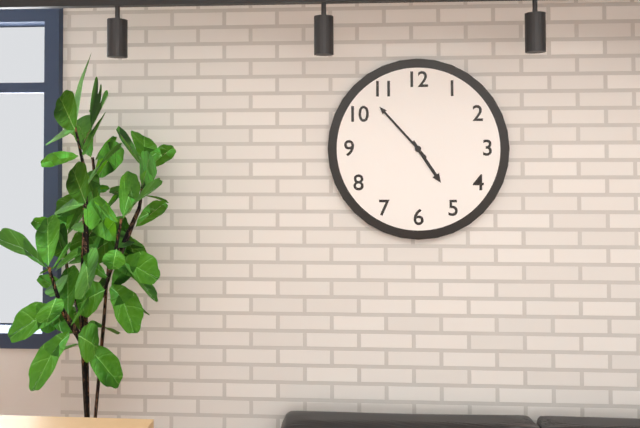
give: {"hour": 4, "minute": 53}
